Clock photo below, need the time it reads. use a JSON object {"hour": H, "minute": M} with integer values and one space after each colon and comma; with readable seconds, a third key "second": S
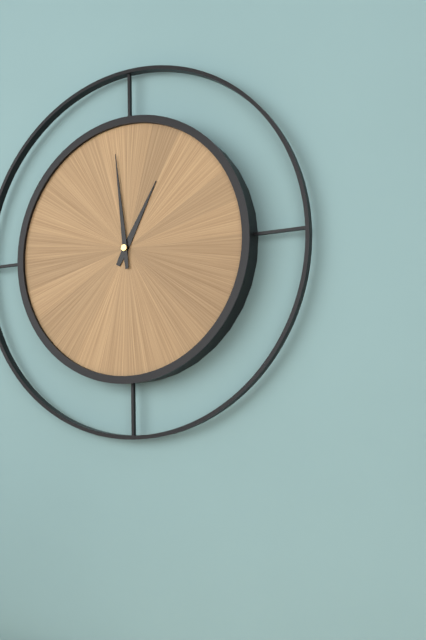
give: {"hour": 12, "minute": 59}
